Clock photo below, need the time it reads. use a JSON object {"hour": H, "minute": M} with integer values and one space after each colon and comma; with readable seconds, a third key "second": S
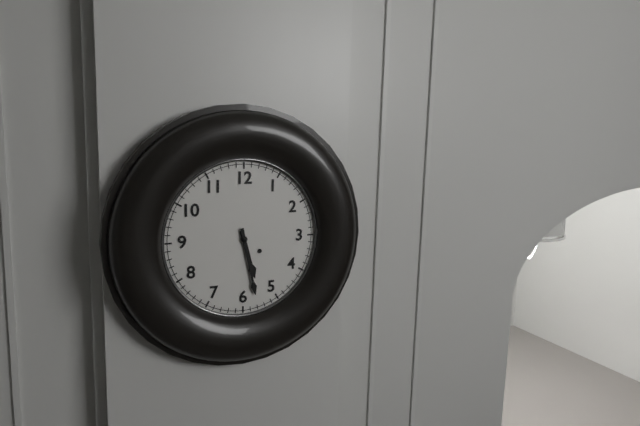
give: {"hour": 5, "minute": 28}
